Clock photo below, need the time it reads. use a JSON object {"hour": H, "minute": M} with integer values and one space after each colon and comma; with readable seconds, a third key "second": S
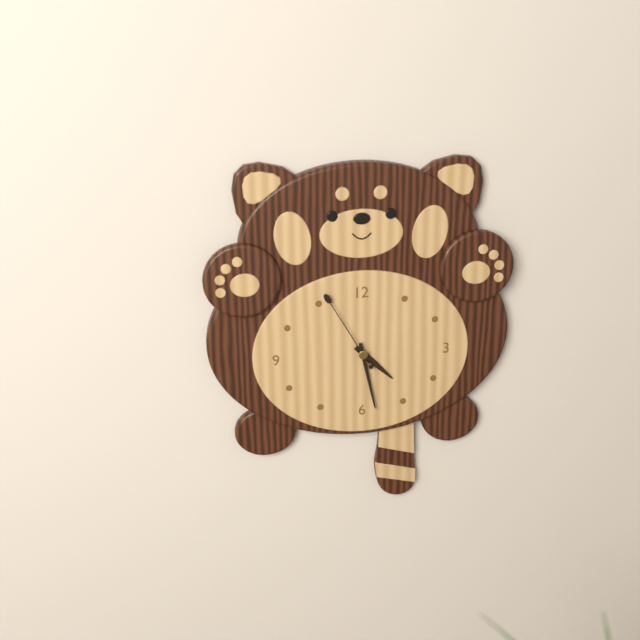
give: {"hour": 4, "minute": 28, "second": 55}
